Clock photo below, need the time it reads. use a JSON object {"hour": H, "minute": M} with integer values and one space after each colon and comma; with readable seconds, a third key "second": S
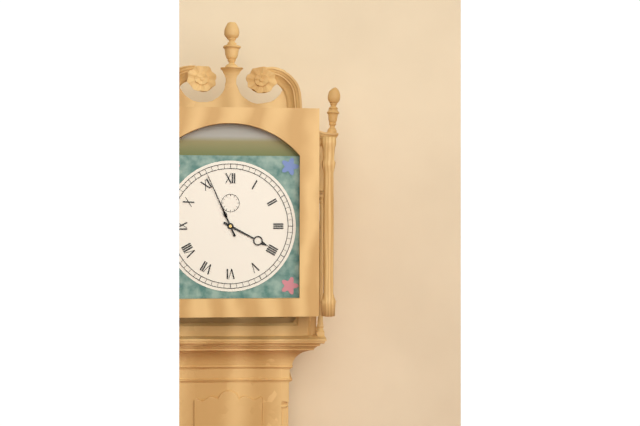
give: {"hour": 3, "minute": 56}
